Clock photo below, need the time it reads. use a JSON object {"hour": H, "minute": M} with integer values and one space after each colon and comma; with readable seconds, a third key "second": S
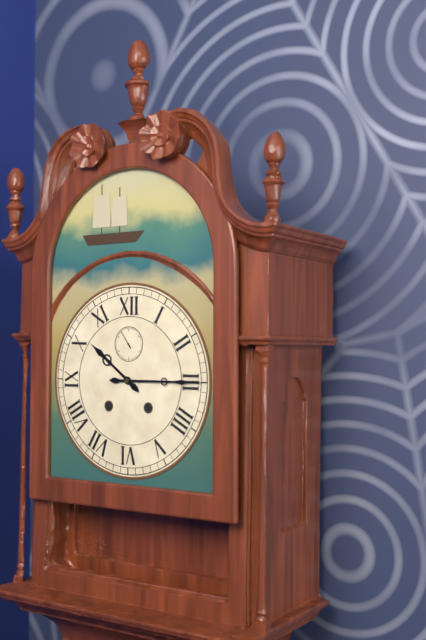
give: {"hour": 10, "minute": 15}
